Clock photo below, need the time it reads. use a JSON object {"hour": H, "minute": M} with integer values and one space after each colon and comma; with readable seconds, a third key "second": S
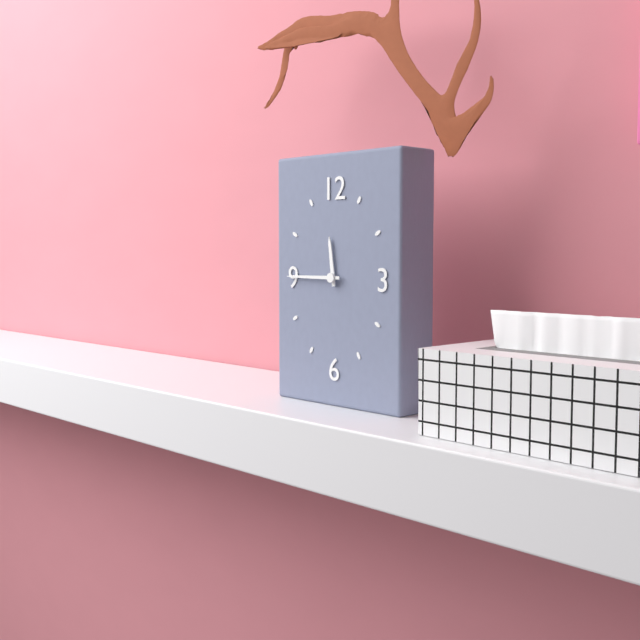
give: {"hour": 11, "minute": 45}
